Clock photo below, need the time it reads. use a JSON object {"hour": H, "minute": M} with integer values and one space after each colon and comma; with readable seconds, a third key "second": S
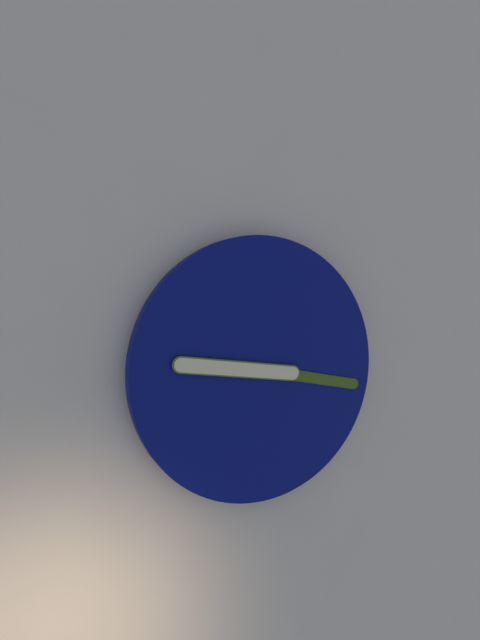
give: {"hour": 9, "minute": 17}
